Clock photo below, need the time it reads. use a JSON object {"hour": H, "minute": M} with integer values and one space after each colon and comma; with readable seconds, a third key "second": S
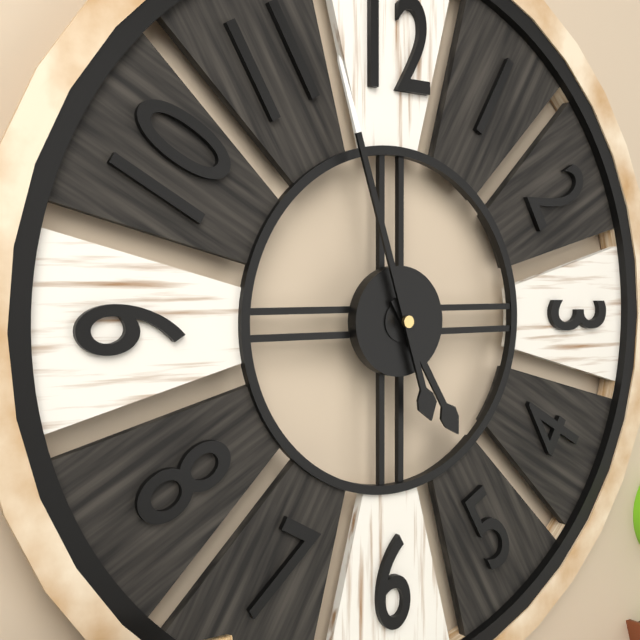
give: {"hour": 4, "minute": 57}
